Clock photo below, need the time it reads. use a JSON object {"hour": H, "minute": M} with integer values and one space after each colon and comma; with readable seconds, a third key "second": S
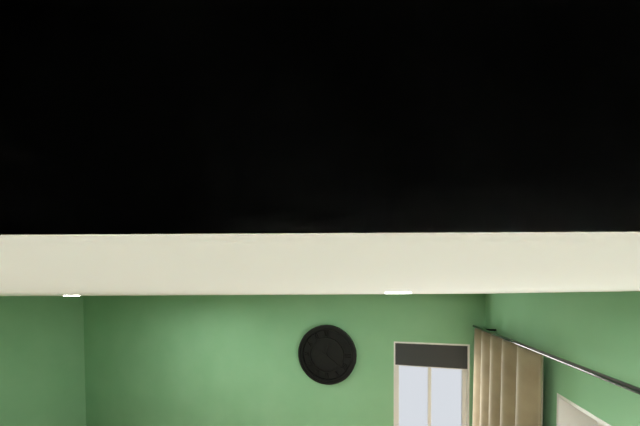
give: {"hour": 12, "minute": 21}
